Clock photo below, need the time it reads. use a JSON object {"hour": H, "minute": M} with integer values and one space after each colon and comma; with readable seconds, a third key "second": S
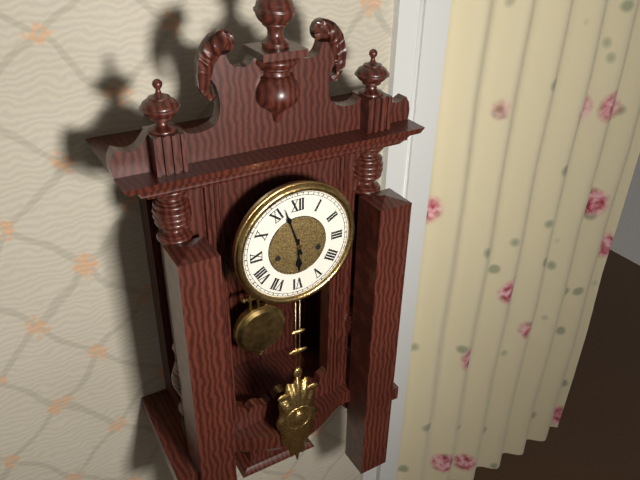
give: {"hour": 5, "minute": 57}
